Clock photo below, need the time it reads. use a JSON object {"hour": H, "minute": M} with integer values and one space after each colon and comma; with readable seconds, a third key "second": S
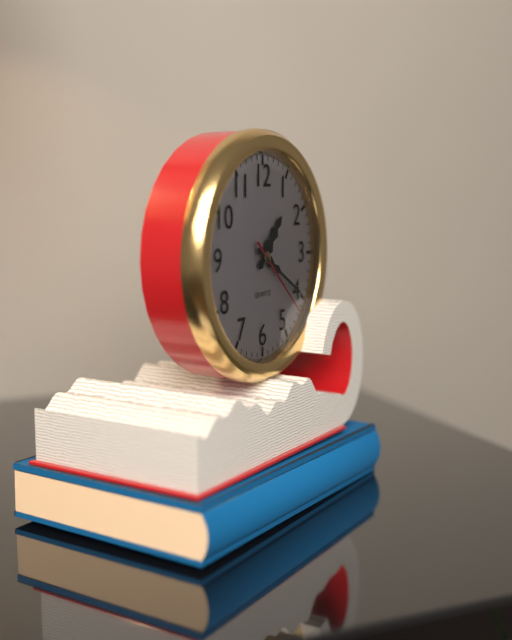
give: {"hour": 1, "minute": 20, "second": 22}
